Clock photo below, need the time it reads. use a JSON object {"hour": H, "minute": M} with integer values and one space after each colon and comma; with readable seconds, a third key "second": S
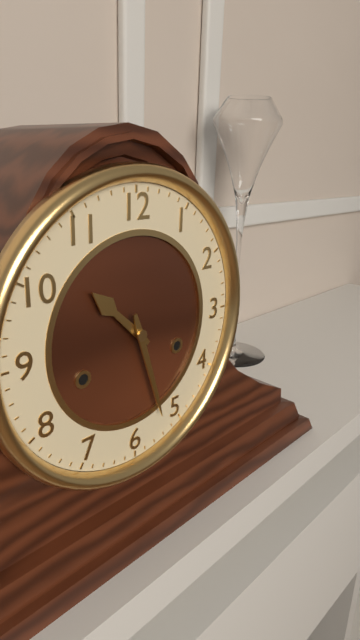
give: {"hour": 10, "minute": 27}
